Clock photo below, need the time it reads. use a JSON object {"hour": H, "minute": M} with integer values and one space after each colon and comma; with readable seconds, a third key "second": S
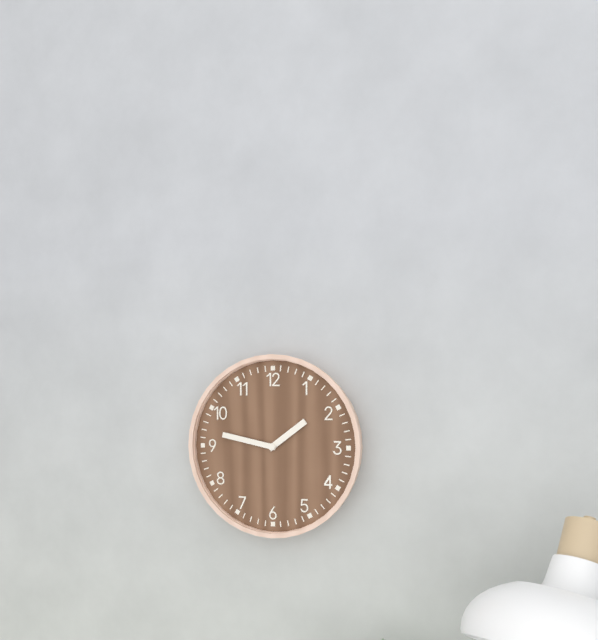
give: {"hour": 1, "minute": 47}
